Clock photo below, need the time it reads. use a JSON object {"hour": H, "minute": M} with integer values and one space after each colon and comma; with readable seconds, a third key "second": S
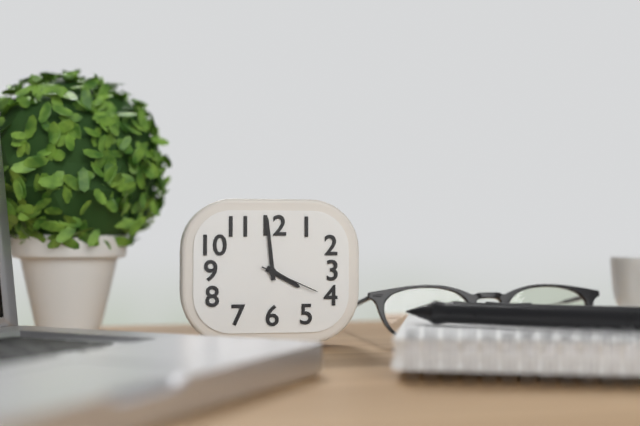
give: {"hour": 3, "minute": 59, "second": 19}
